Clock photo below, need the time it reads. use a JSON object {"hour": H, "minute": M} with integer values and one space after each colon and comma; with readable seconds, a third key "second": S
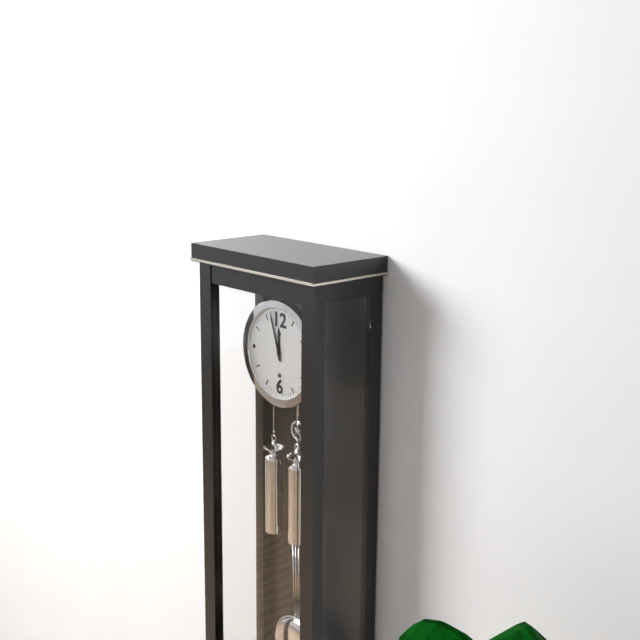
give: {"hour": 11, "minute": 57}
